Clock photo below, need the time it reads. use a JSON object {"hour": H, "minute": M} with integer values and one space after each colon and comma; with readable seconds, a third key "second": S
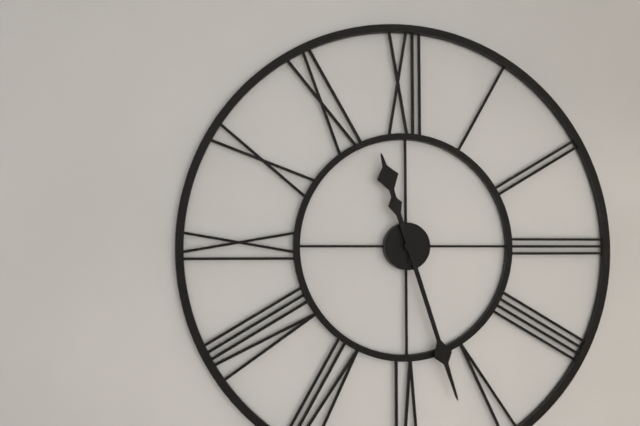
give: {"hour": 11, "minute": 27}
